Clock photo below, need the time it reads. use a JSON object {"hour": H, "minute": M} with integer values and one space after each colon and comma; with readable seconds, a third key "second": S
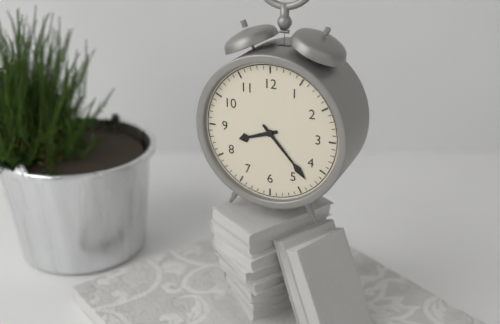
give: {"hour": 8, "minute": 23}
